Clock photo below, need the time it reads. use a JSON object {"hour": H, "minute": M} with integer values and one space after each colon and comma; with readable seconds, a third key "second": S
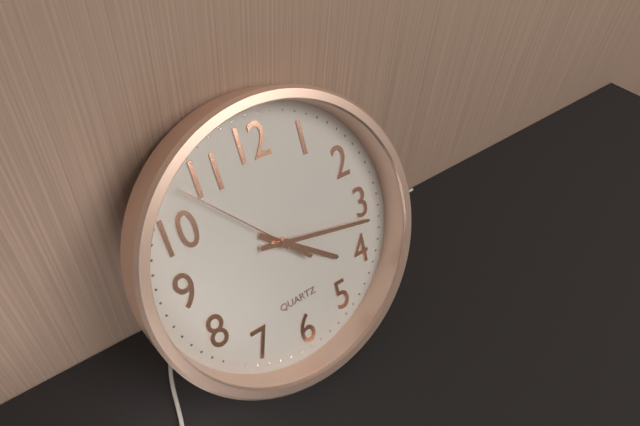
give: {"hour": 4, "minute": 17, "second": 53}
